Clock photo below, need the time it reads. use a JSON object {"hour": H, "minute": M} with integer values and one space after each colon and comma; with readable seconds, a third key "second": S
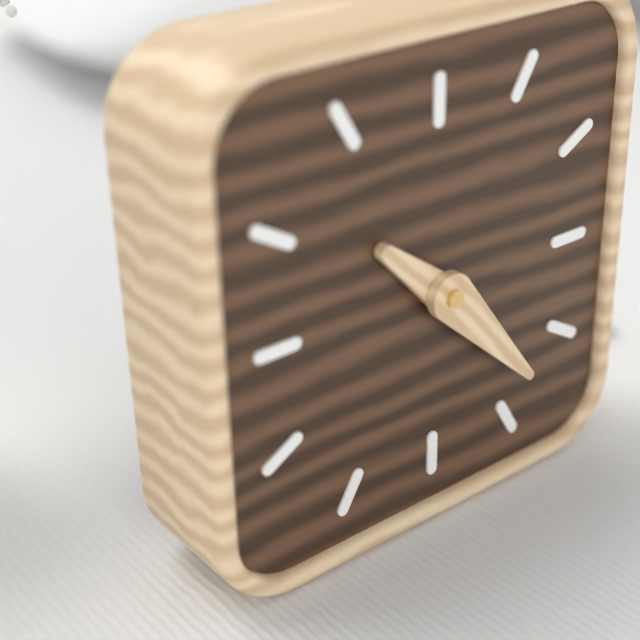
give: {"hour": 10, "minute": 23}
